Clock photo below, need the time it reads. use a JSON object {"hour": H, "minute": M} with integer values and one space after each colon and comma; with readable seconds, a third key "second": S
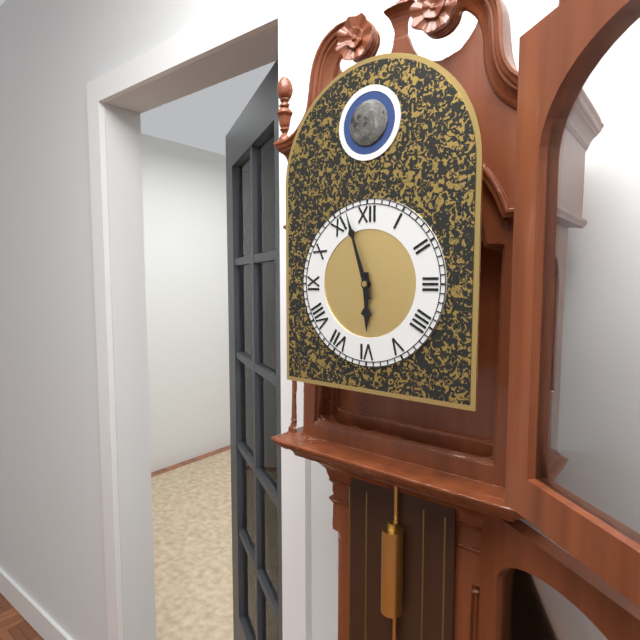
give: {"hour": 5, "minute": 57}
